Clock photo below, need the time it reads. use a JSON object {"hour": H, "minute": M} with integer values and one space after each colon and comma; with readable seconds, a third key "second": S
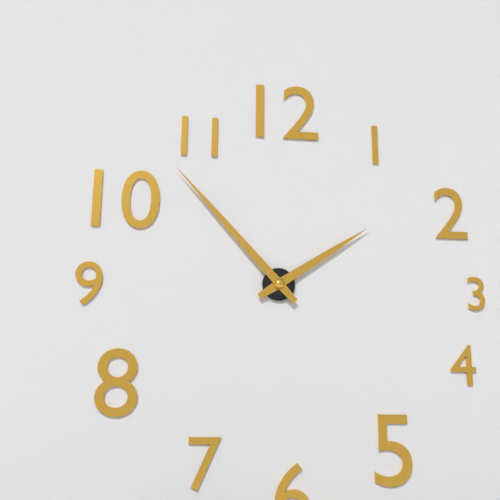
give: {"hour": 1, "minute": 53}
